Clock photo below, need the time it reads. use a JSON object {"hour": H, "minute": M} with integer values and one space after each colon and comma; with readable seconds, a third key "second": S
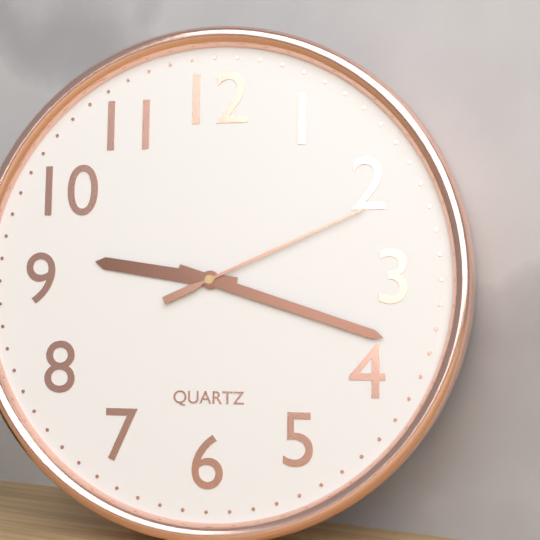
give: {"hour": 9, "minute": 18, "second": 11}
